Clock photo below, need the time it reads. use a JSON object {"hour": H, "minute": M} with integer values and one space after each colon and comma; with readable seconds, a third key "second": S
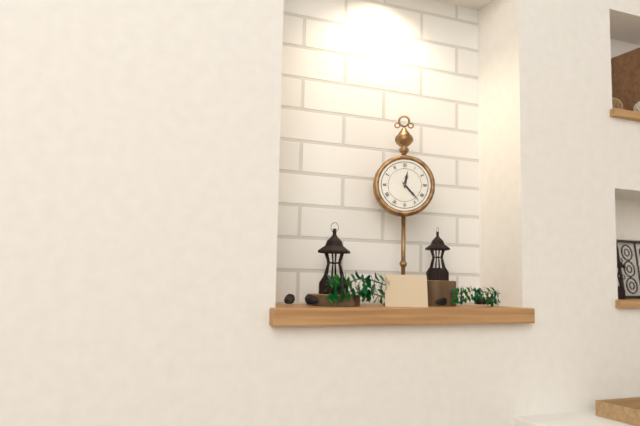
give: {"hour": 12, "minute": 23}
